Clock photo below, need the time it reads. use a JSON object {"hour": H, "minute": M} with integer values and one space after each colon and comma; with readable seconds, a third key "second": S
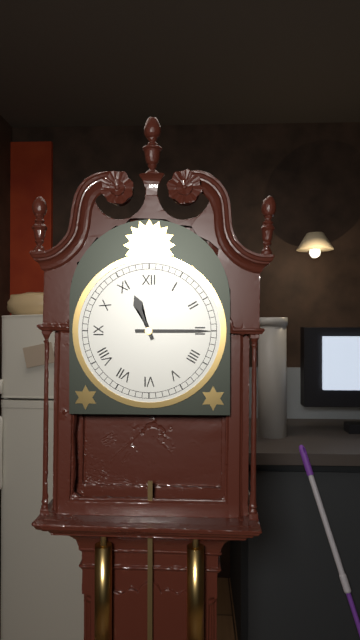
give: {"hour": 11, "minute": 15}
